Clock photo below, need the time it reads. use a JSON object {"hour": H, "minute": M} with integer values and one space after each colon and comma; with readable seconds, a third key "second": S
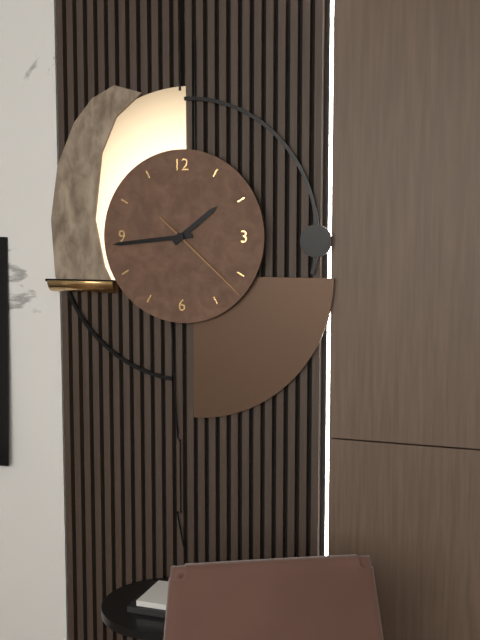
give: {"hour": 1, "minute": 44, "second": 22}
